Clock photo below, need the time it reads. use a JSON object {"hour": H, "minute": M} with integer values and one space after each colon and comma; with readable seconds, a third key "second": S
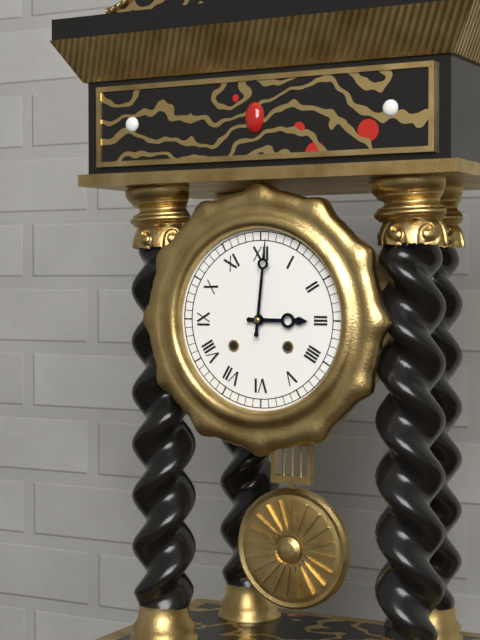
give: {"hour": 3, "minute": 1}
